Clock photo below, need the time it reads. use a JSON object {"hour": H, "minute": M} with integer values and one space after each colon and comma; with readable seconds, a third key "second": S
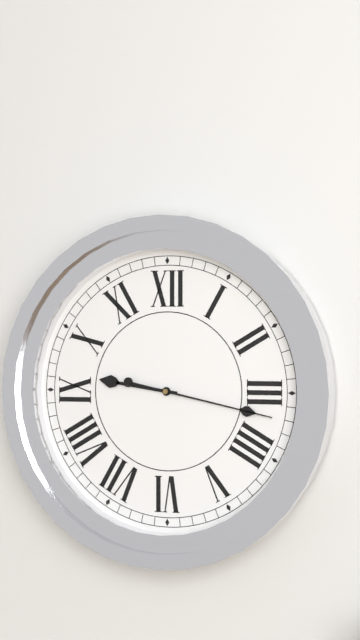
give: {"hour": 9, "minute": 17}
